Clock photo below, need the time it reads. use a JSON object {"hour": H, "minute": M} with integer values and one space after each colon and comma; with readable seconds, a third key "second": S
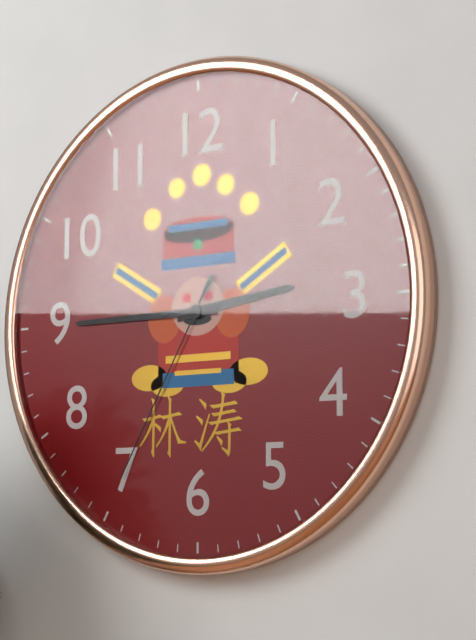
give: {"hour": 2, "minute": 45, "second": 35}
